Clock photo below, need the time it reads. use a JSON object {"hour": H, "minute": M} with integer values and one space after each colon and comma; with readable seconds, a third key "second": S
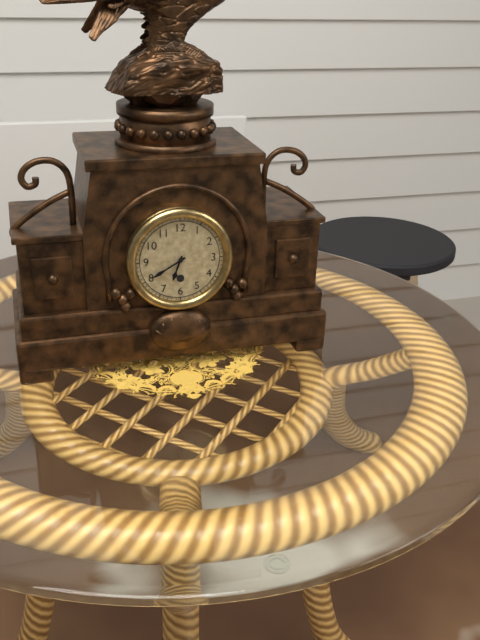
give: {"hour": 6, "minute": 40}
